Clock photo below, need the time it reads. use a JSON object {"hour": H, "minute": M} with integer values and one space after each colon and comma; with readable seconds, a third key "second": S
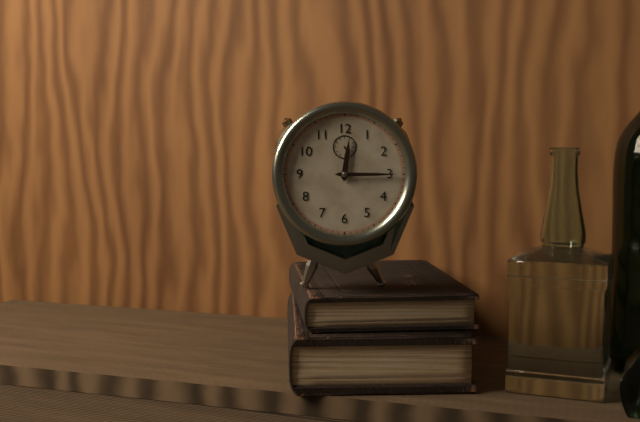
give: {"hour": 12, "minute": 15}
